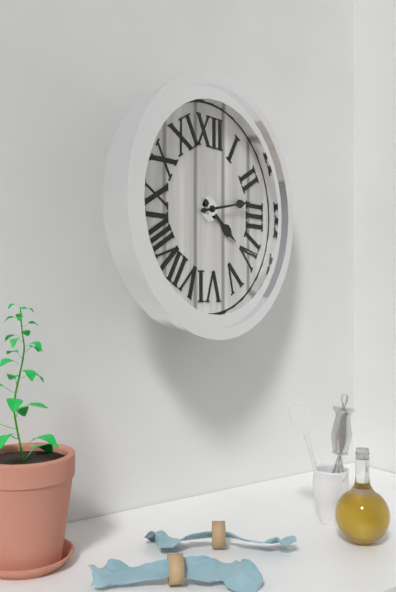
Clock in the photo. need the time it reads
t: 4:13
